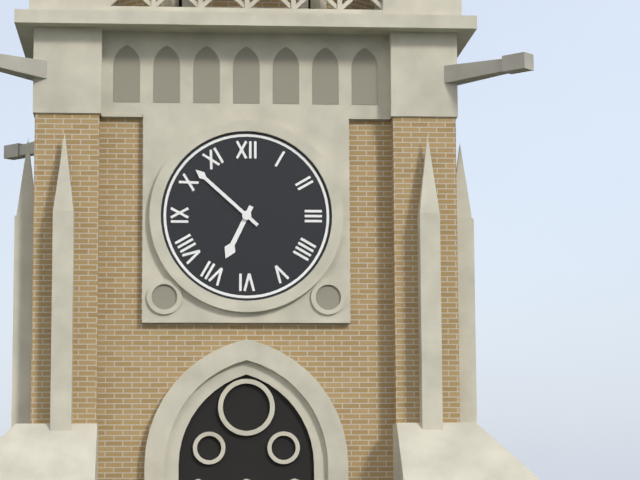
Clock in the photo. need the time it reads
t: 6:52
